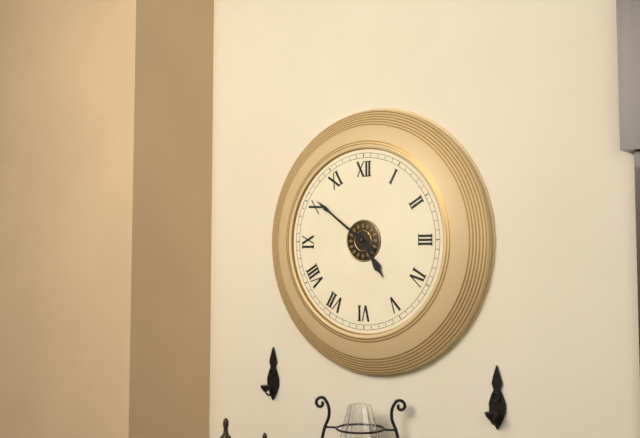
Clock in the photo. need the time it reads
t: 4:51
